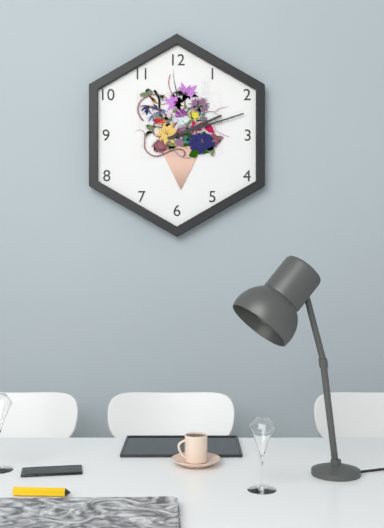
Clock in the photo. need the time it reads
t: 2:12
